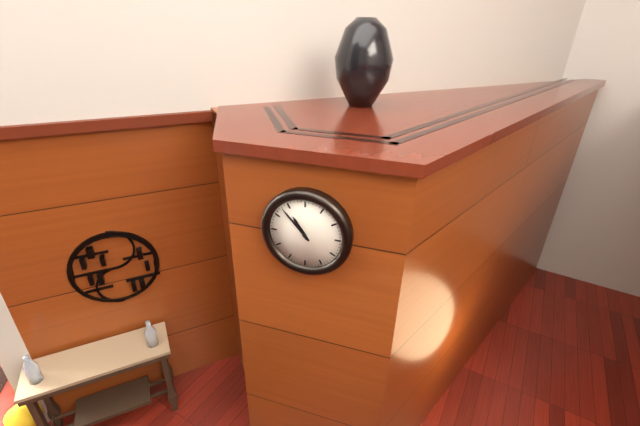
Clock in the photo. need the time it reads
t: 10:53
